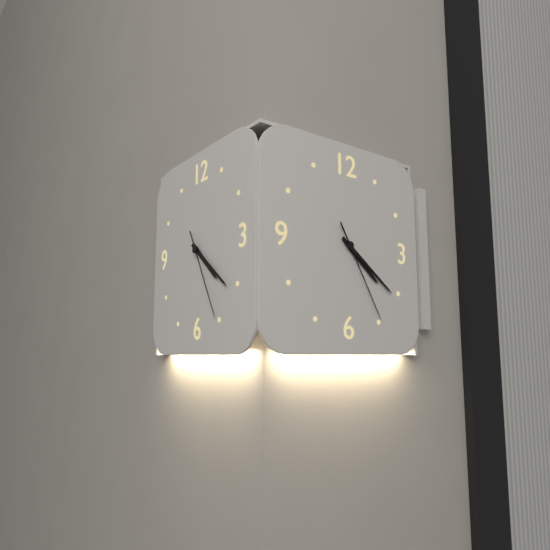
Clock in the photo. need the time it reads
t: 4:21:25
